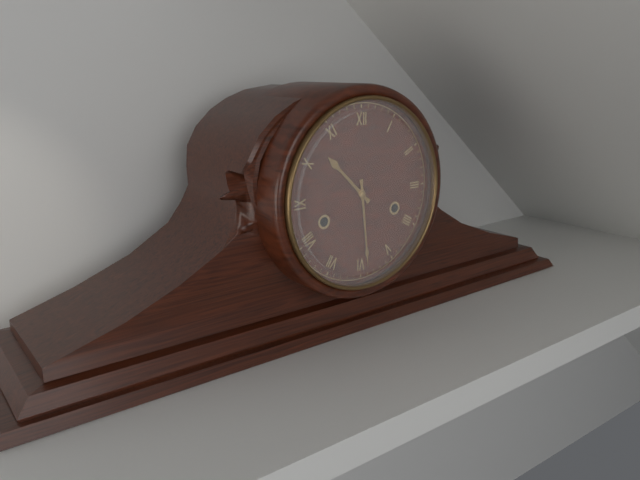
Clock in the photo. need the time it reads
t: 10:29
